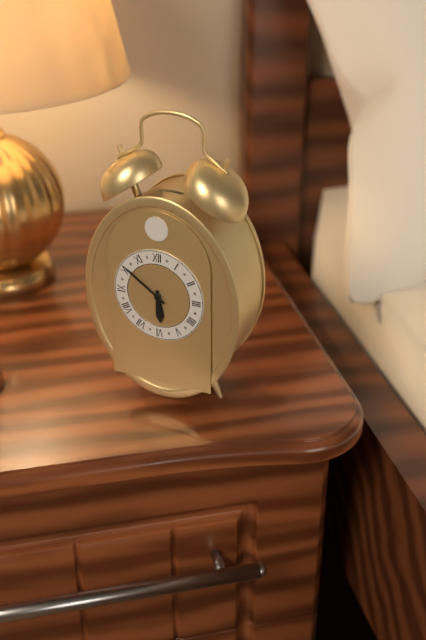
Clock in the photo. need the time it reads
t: 5:51
